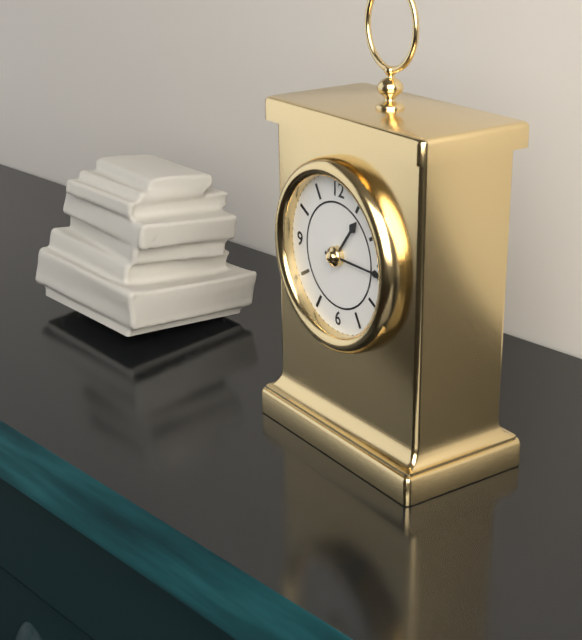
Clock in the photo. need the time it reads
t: 1:15
